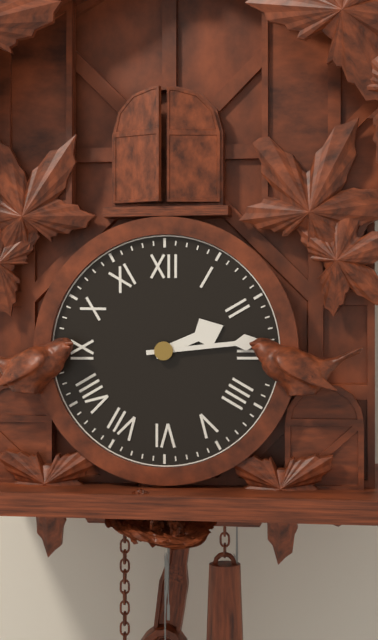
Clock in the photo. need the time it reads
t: 2:14
